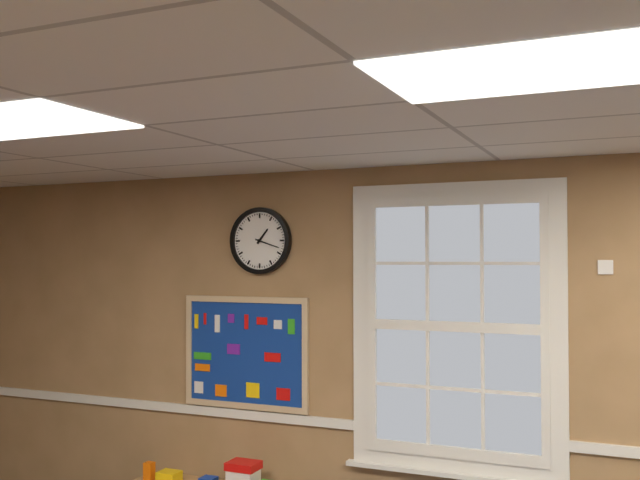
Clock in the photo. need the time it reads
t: 1:18
